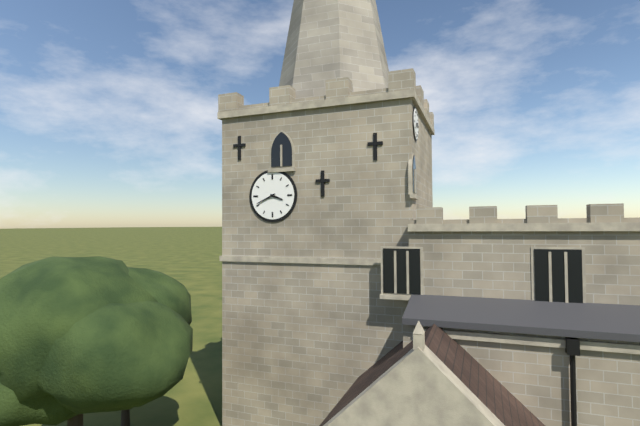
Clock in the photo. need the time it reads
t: 3:41
